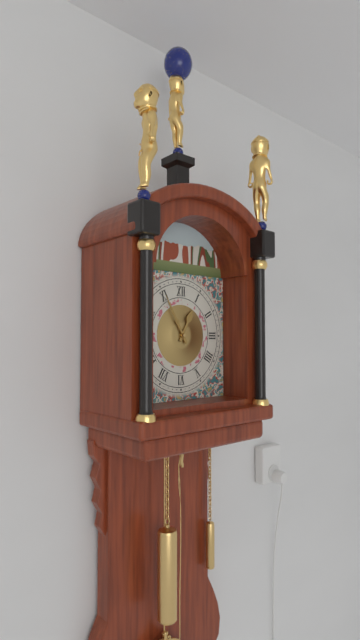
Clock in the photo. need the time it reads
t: 12:55
